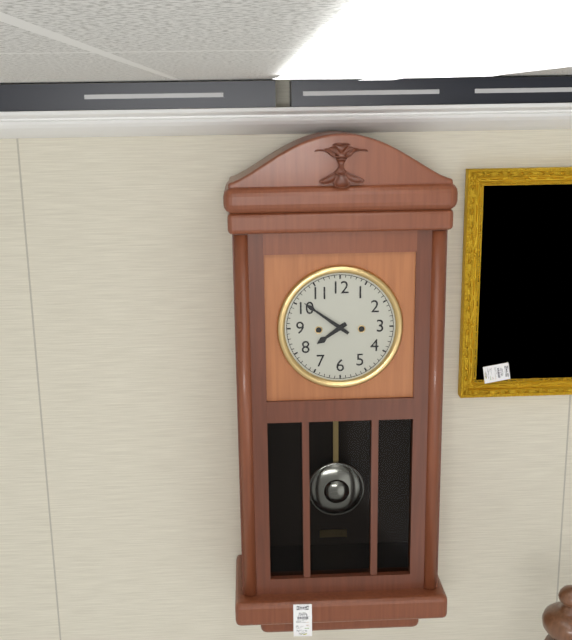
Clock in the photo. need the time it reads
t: 7:51
